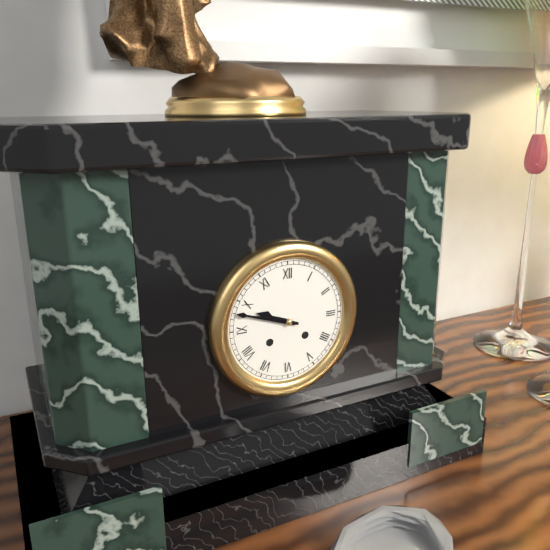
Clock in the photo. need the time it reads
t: 9:48
